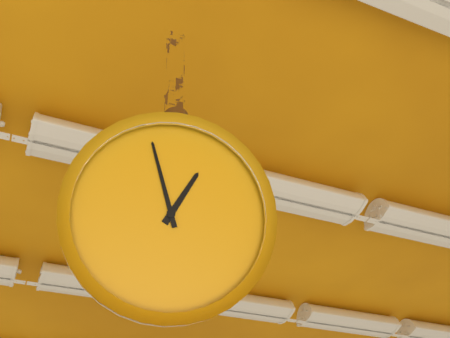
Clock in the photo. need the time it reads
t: 12:57
